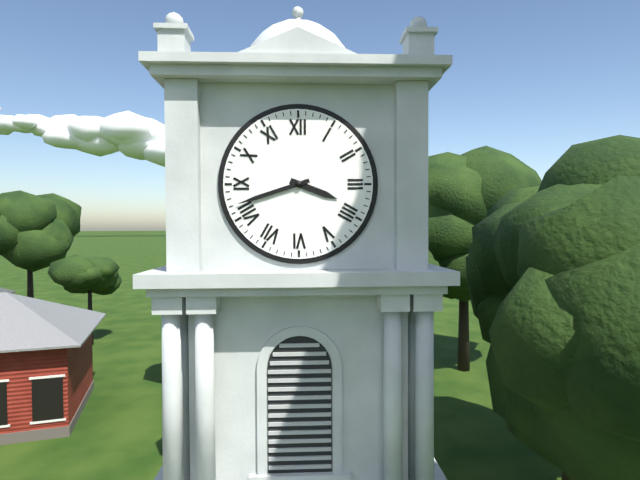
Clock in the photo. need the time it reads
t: 3:42
